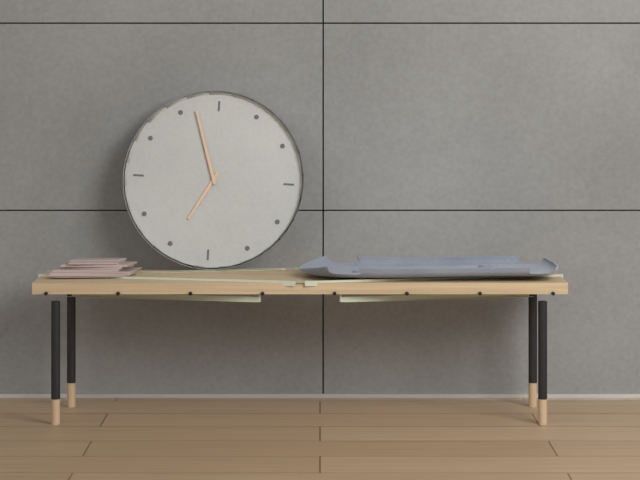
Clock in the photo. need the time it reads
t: 6:57
